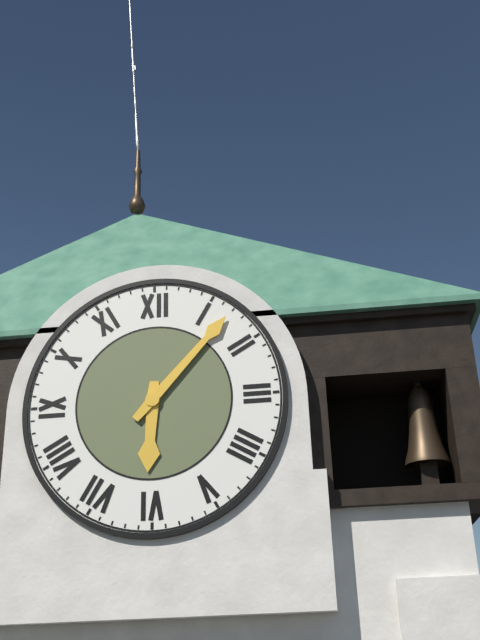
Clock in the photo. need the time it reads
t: 6:07
